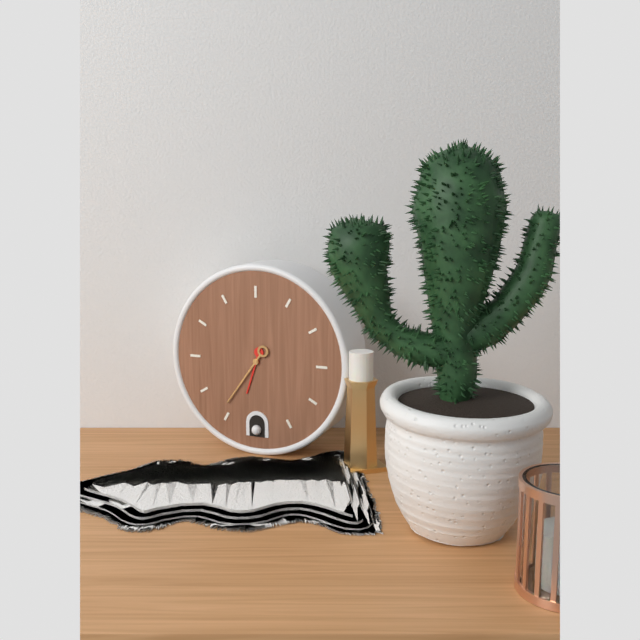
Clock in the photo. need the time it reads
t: 6:36
